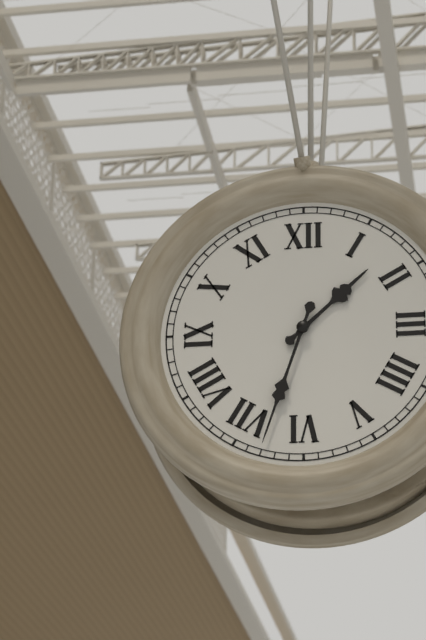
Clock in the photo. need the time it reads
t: 1:33
